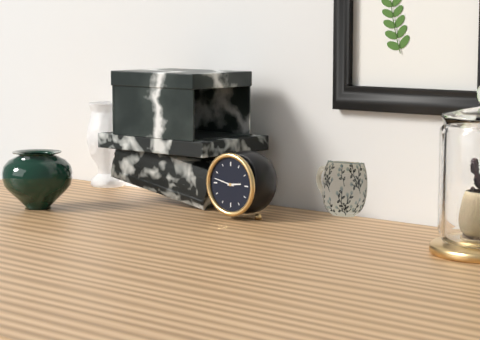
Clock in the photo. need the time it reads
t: 2:47
